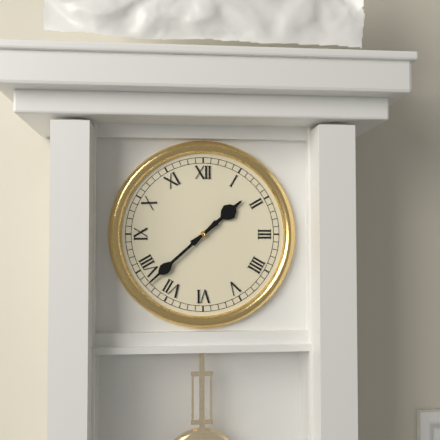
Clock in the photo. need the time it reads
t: 1:38
